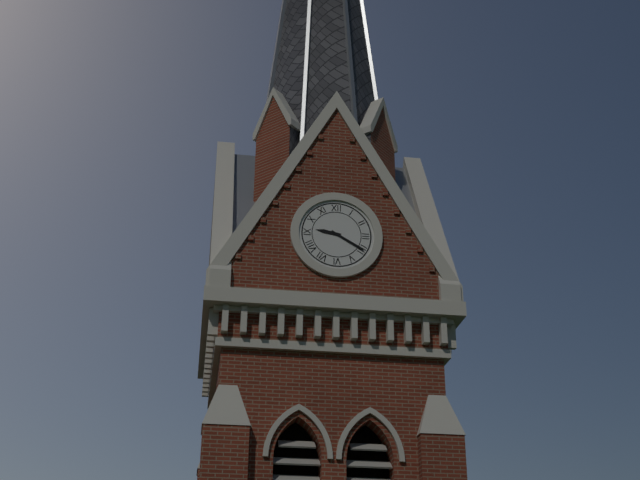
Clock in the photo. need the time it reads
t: 9:20
